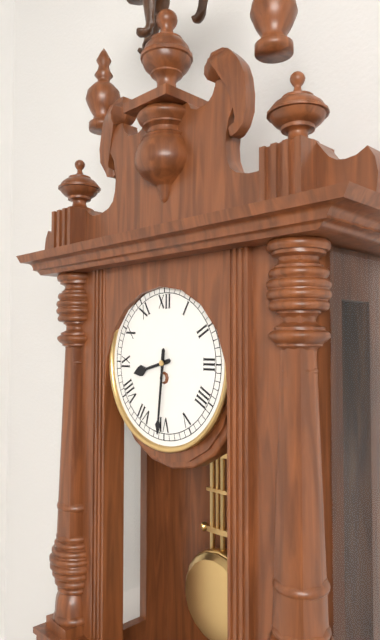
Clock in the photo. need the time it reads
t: 8:31
